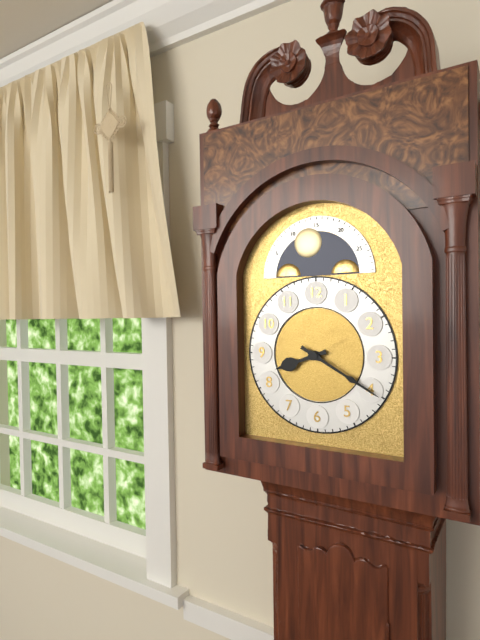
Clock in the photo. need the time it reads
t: 8:20
